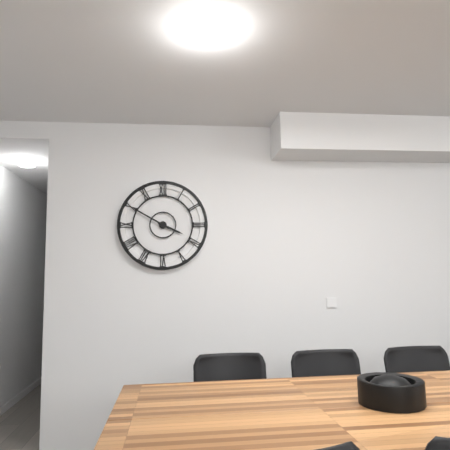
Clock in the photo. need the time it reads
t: 3:50
